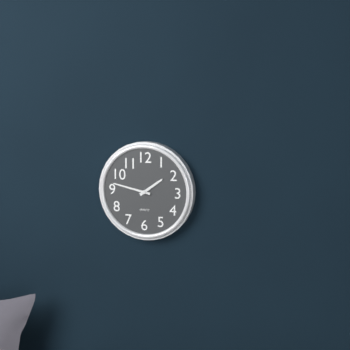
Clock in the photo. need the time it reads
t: 1:47
